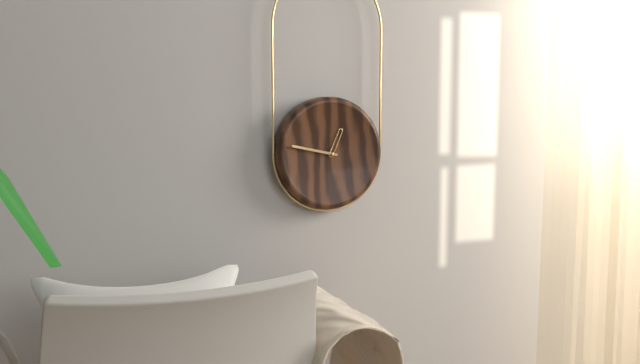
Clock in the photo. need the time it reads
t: 12:47
